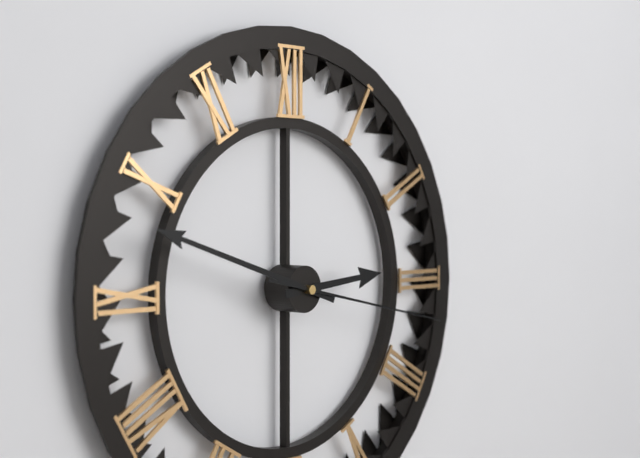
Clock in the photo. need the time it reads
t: 2:48:17
